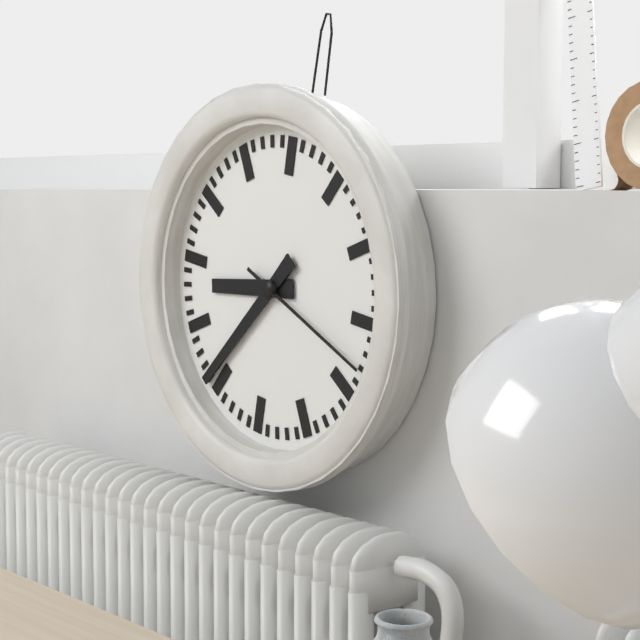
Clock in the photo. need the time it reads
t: 8:36:18
